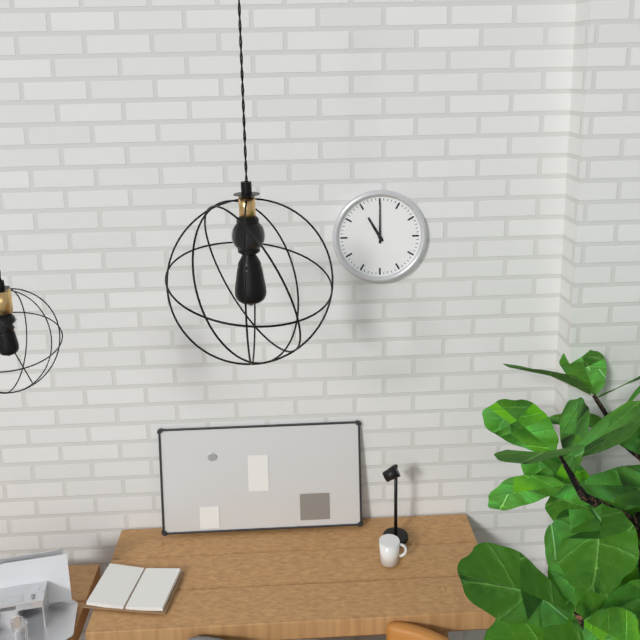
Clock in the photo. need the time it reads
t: 11:00
